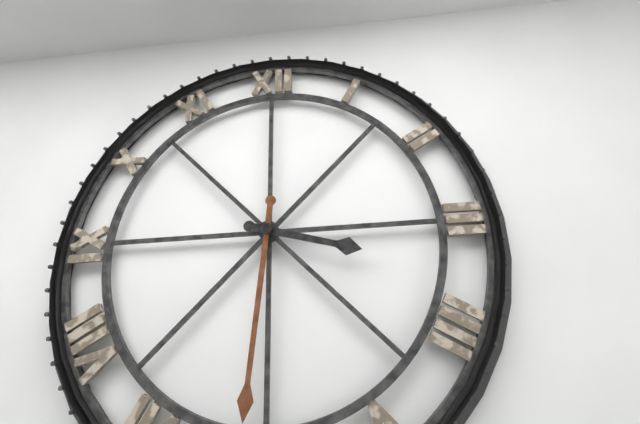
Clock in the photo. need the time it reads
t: 3:31
